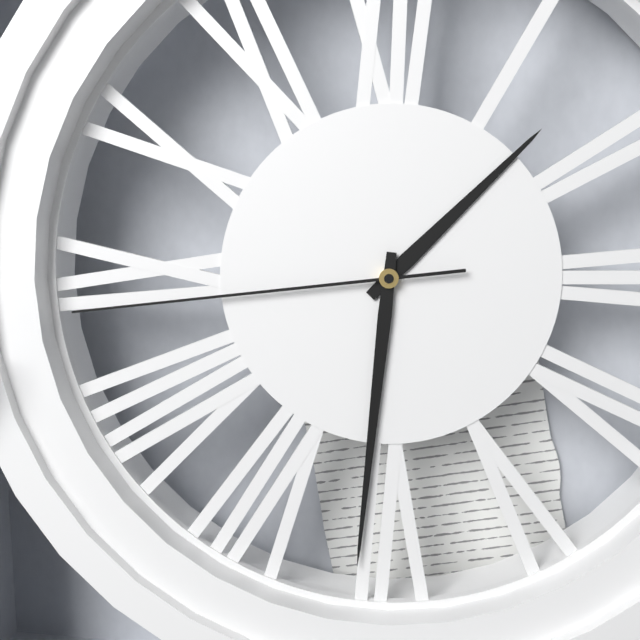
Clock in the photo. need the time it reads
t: 1:31:44
